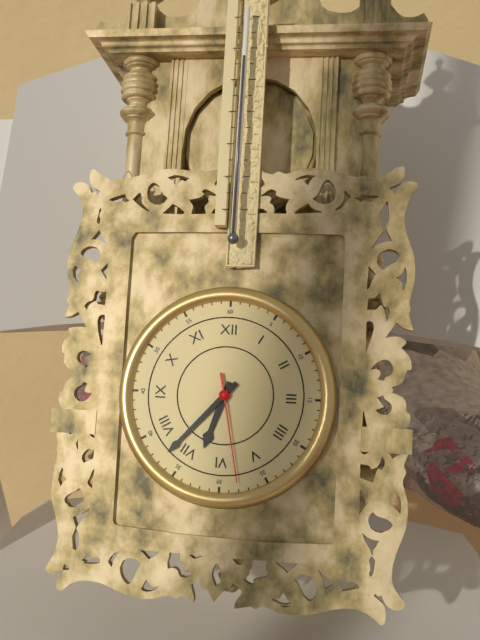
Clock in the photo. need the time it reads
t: 6:37:28
